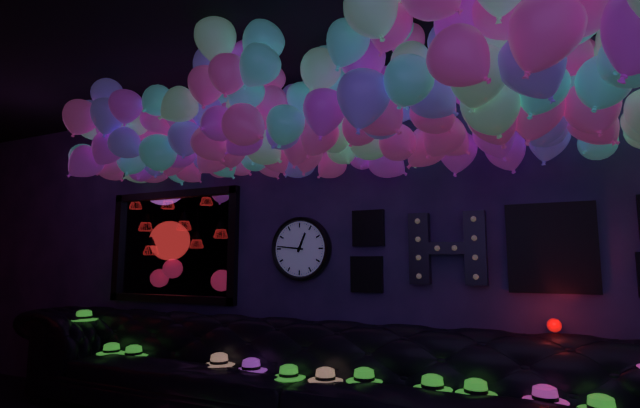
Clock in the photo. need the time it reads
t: 12:46
